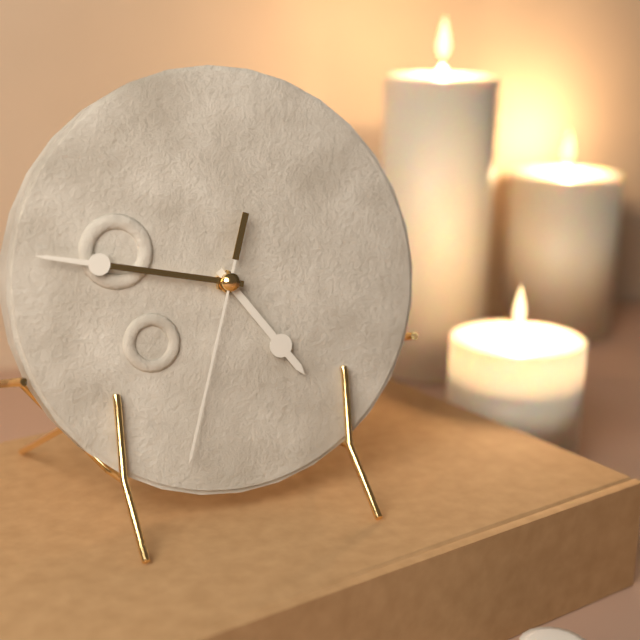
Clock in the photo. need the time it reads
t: 4:47:33
